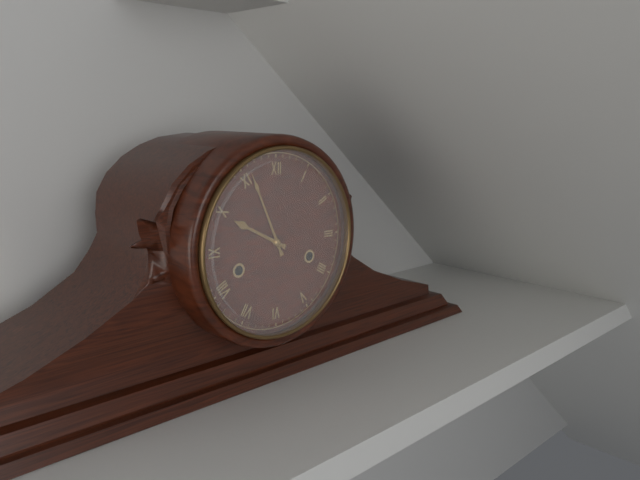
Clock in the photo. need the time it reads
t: 9:56
